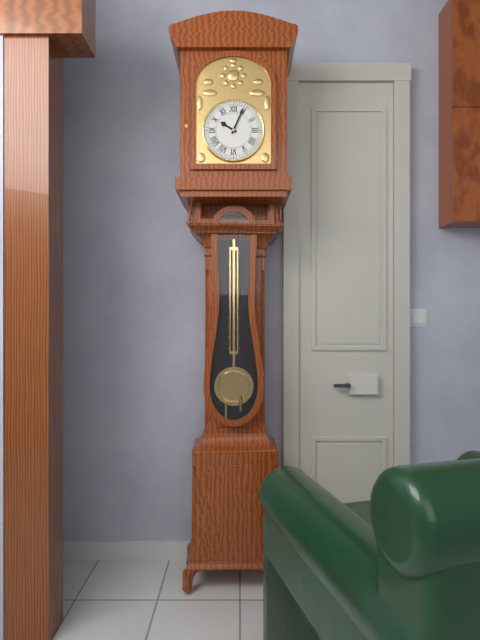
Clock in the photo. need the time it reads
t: 10:04
